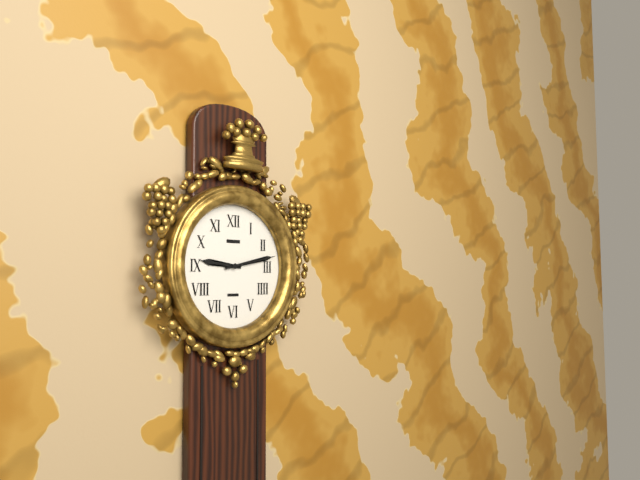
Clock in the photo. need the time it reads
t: 9:13
